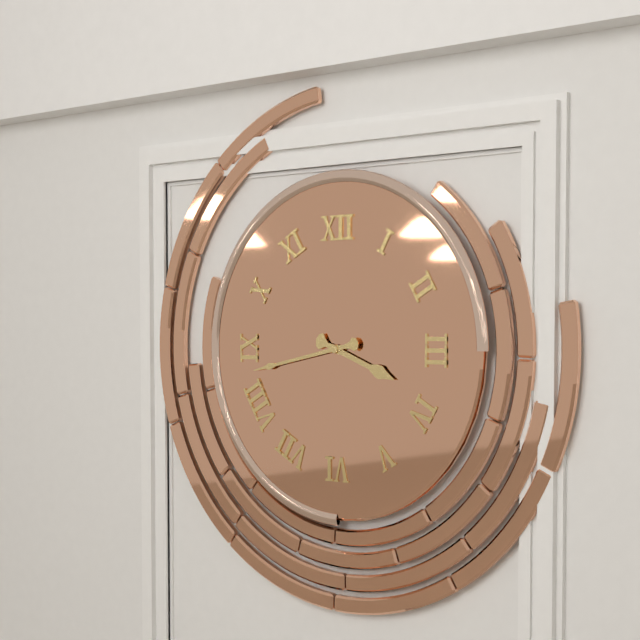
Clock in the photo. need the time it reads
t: 3:43
